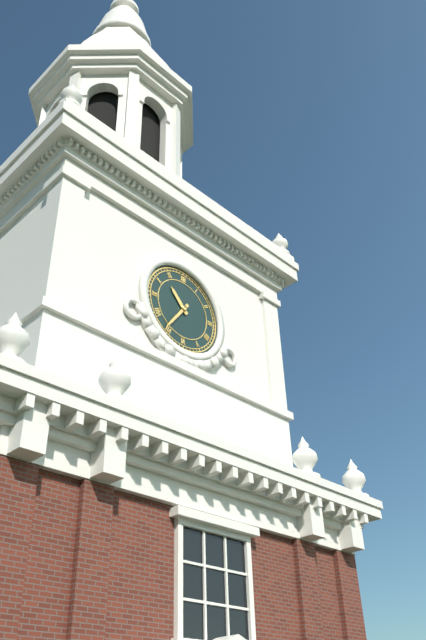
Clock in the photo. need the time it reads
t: 10:36
